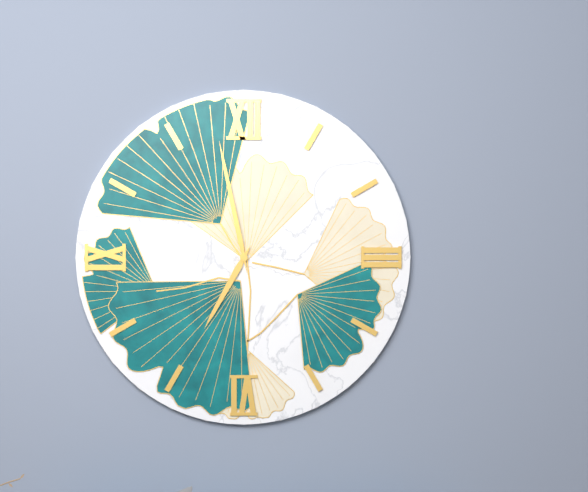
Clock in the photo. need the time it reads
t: 6:58
